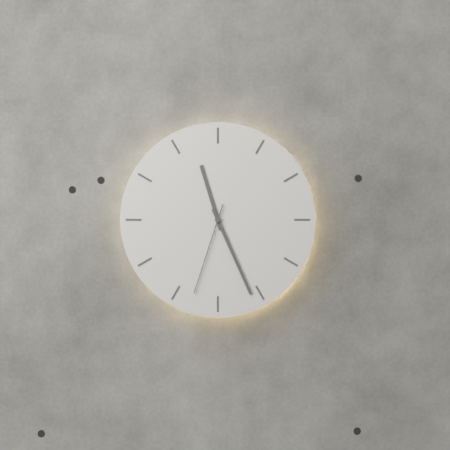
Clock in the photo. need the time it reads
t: 11:26:33
